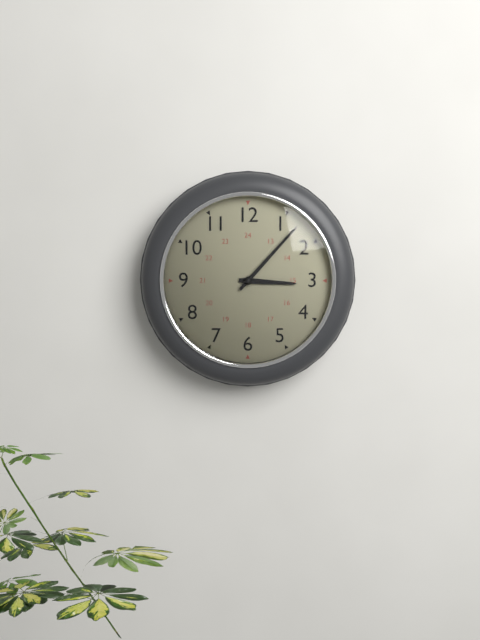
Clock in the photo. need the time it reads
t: 3:07
